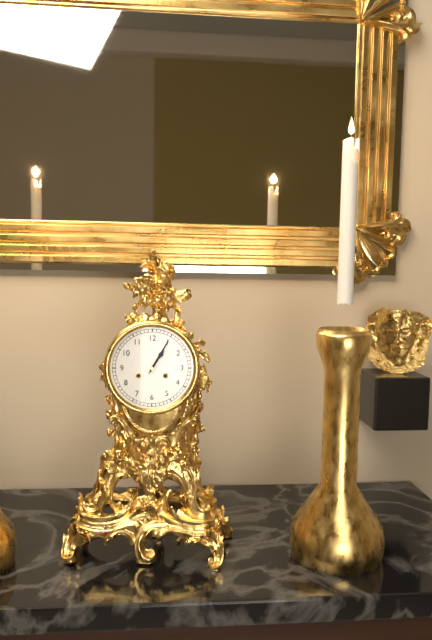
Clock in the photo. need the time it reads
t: 1:05
